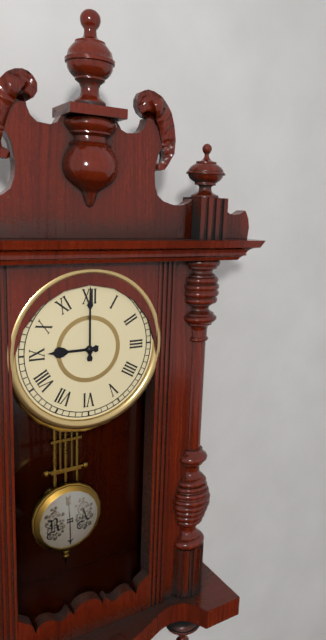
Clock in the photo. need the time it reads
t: 9:00
